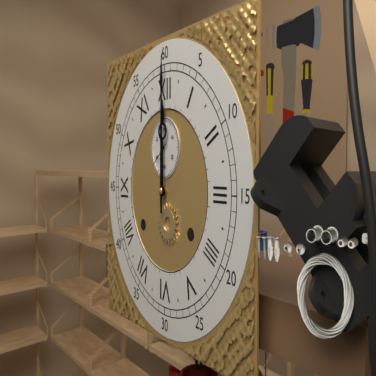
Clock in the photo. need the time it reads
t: 12:00
